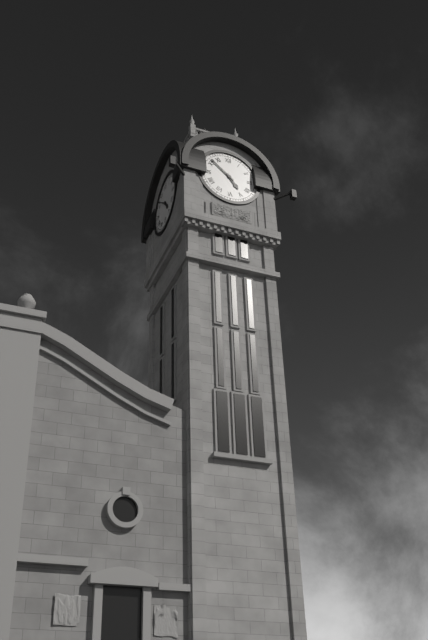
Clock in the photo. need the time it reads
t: 4:52
